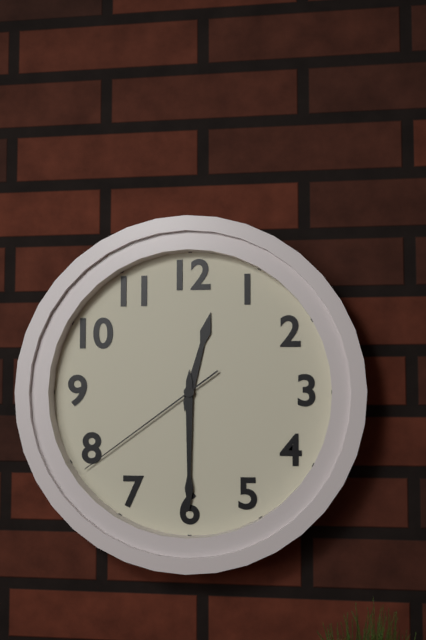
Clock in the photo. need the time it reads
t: 12:30:39
